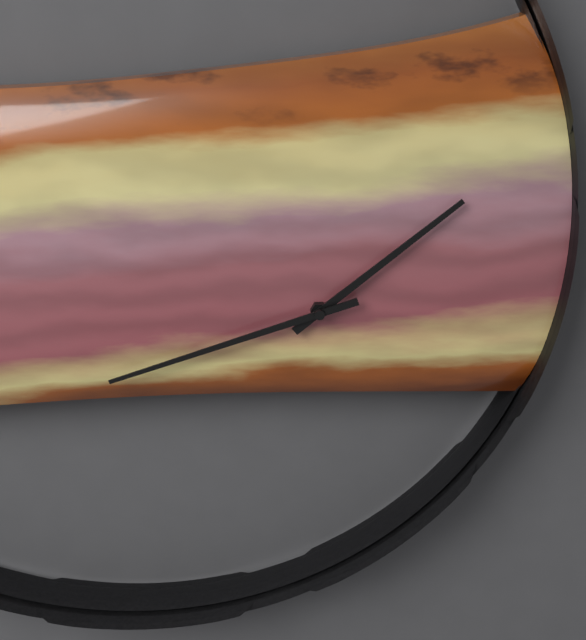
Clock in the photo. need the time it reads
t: 1:42
